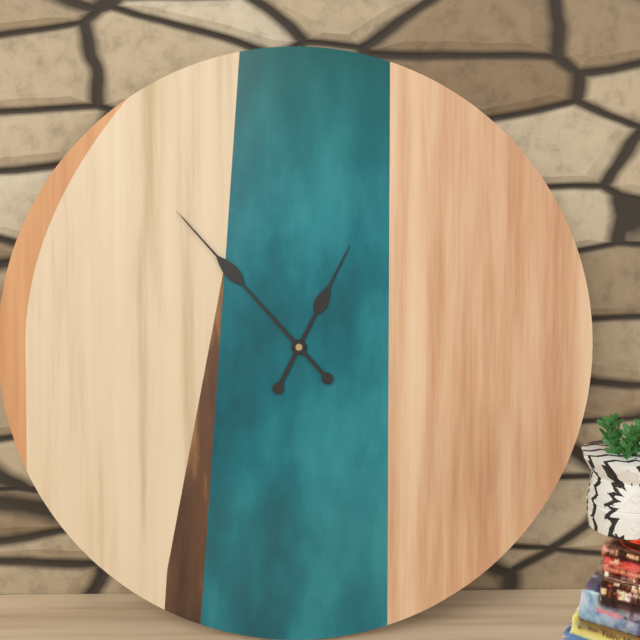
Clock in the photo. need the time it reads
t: 12:53
